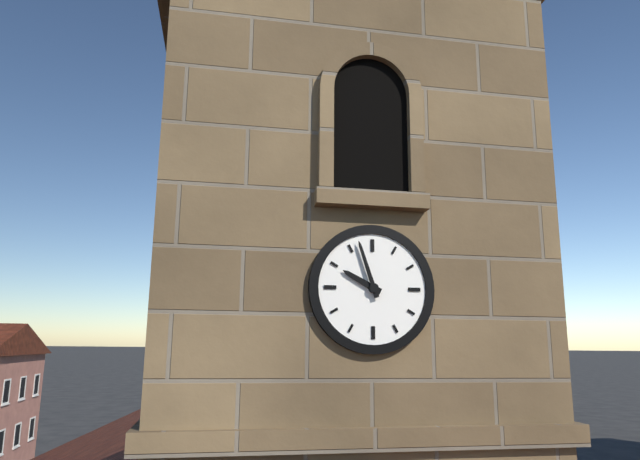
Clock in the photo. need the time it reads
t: 9:57
